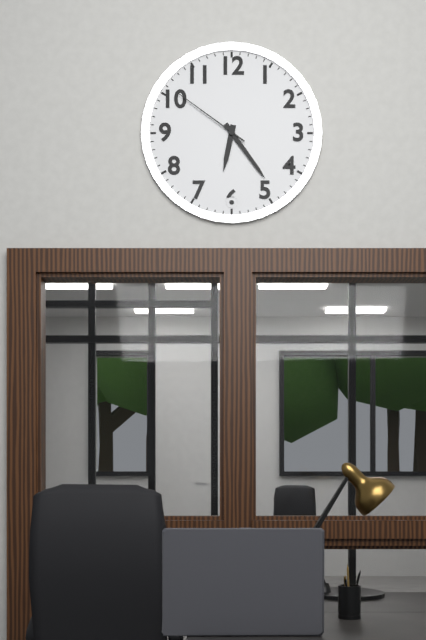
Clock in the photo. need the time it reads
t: 6:24:51
